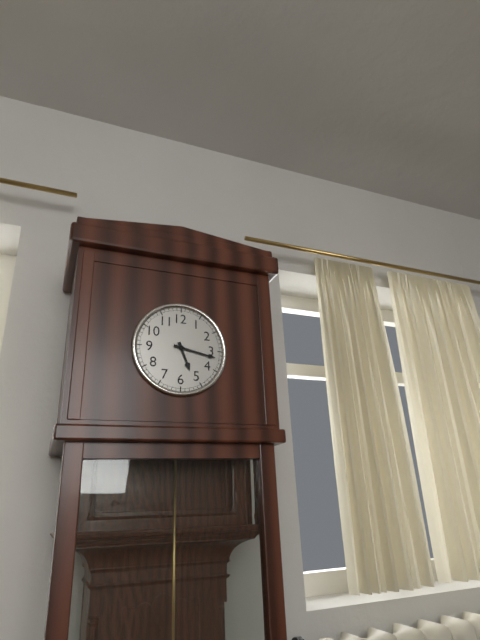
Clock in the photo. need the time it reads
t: 5:17
